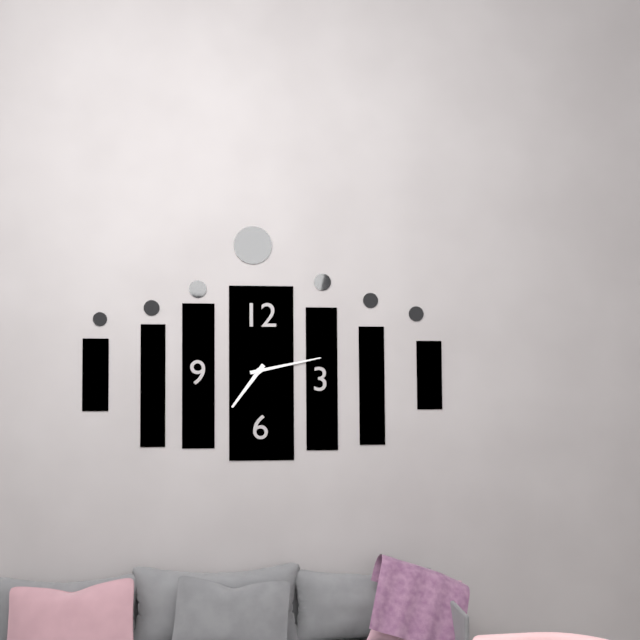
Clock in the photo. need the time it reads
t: 7:13
